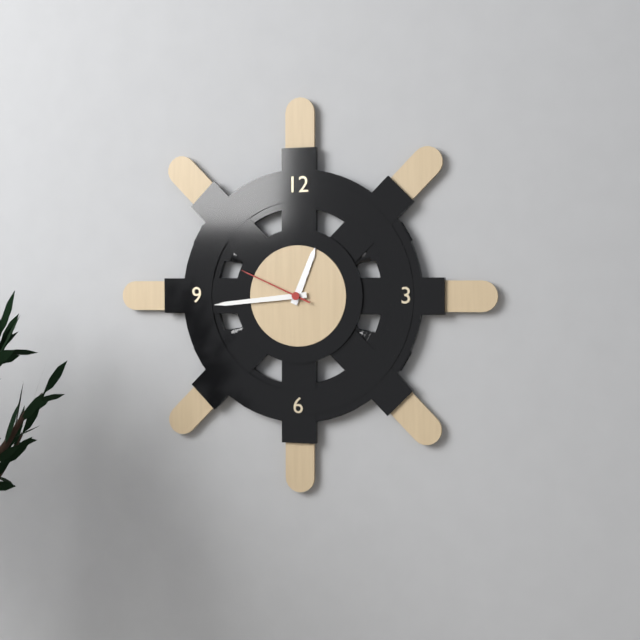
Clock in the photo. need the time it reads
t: 12:44:49
